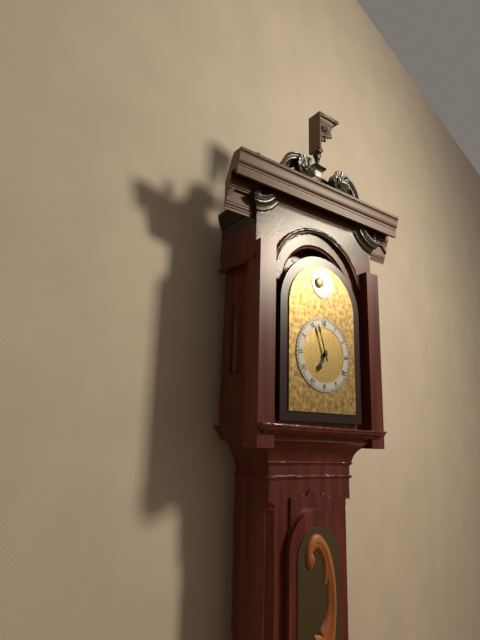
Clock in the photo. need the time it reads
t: 6:57
